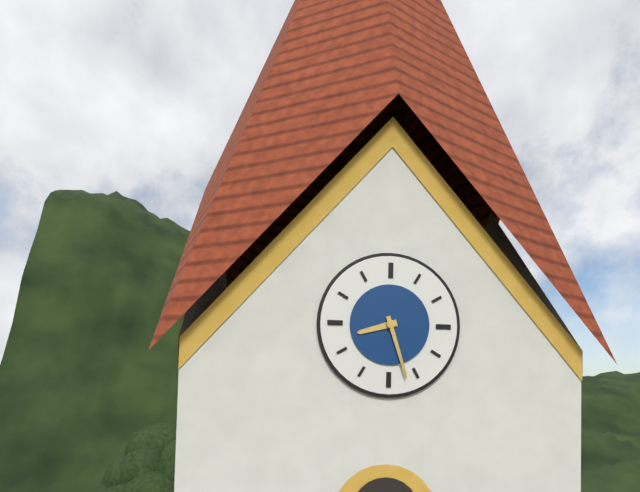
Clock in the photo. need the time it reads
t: 8:27
